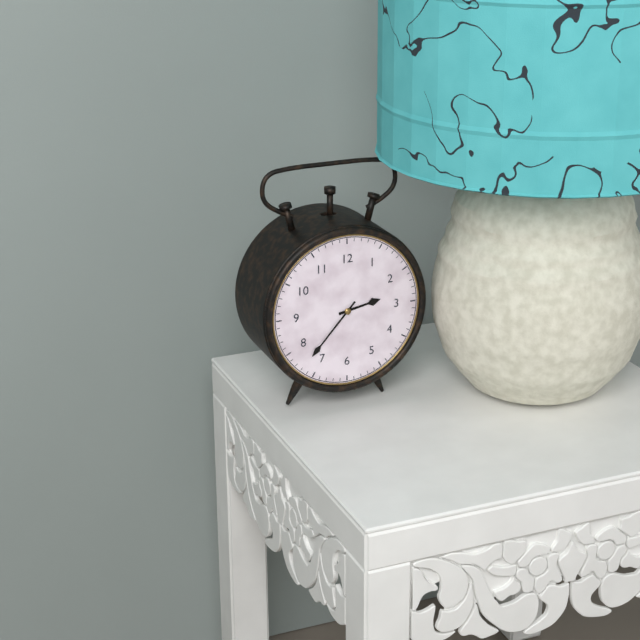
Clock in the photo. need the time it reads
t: 2:37
